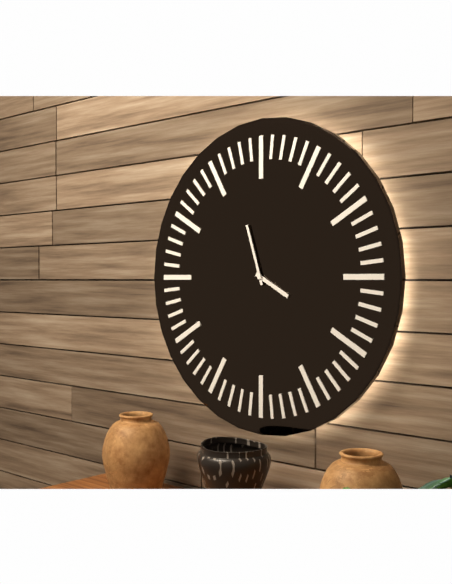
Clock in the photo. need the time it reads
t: 3:57
